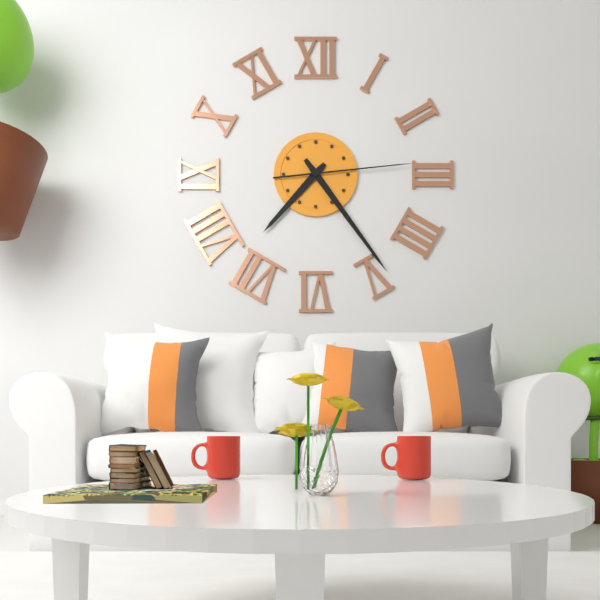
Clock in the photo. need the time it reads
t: 7:24:14
